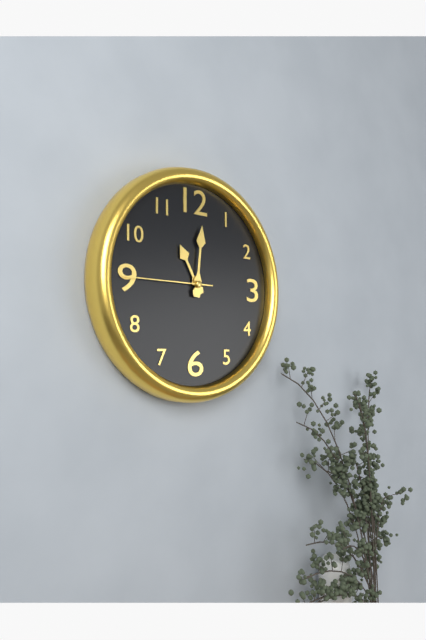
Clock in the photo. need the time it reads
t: 11:01:45
